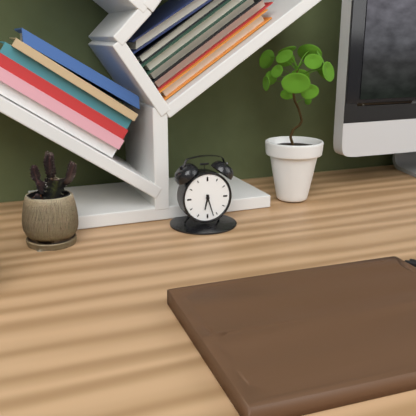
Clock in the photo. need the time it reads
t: 6:27
